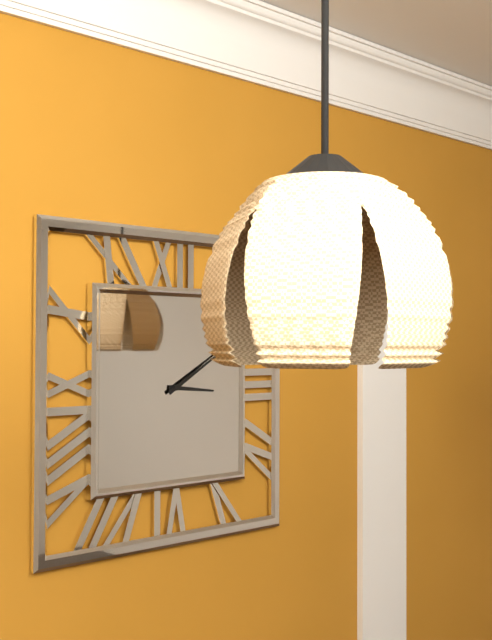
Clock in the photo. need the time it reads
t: 3:10
